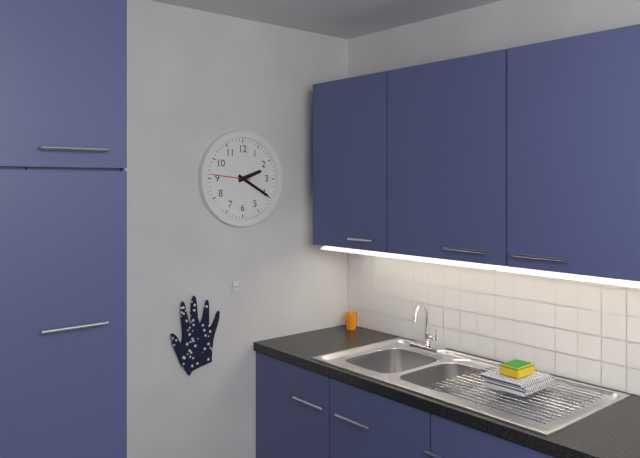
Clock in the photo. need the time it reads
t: 2:20
